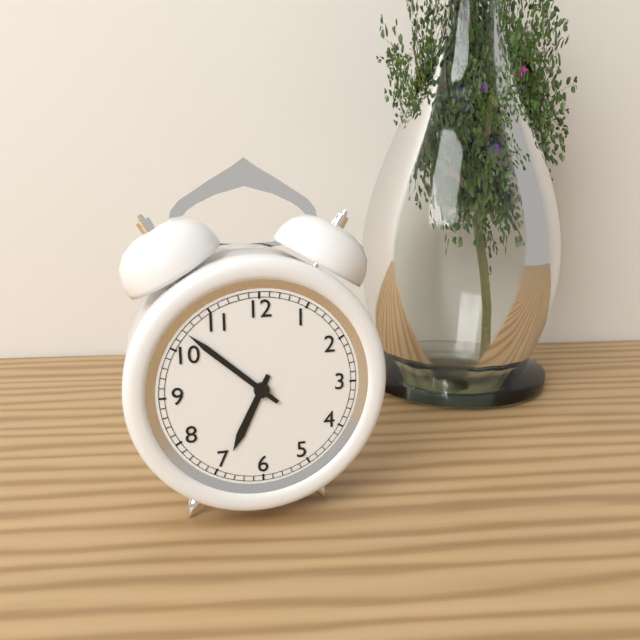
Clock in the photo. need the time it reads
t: 6:52
